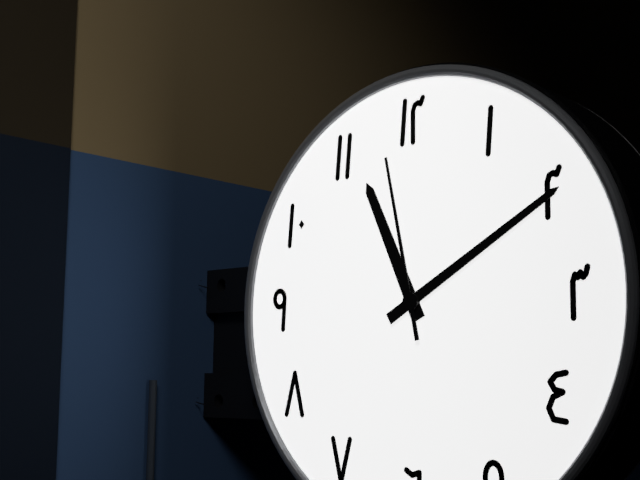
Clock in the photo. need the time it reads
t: 11:10:58
